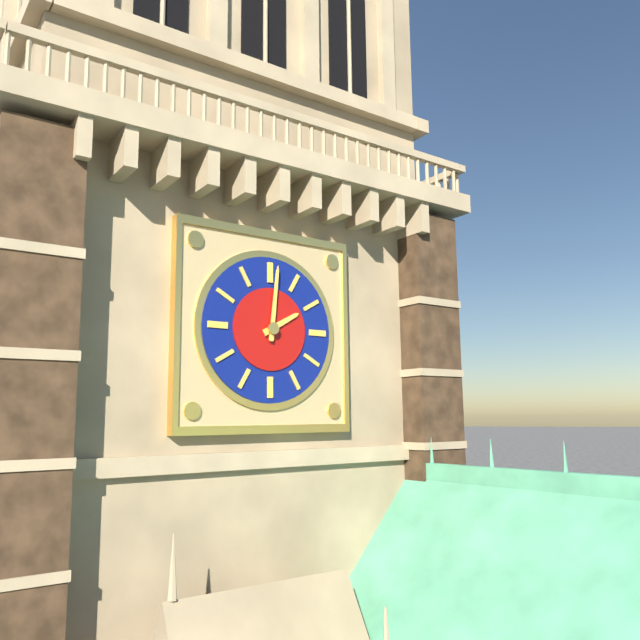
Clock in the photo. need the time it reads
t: 2:01
